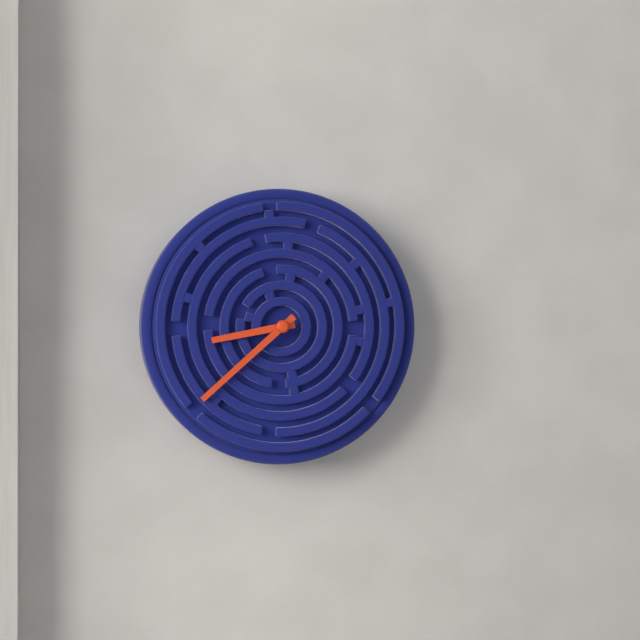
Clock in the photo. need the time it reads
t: 8:38
